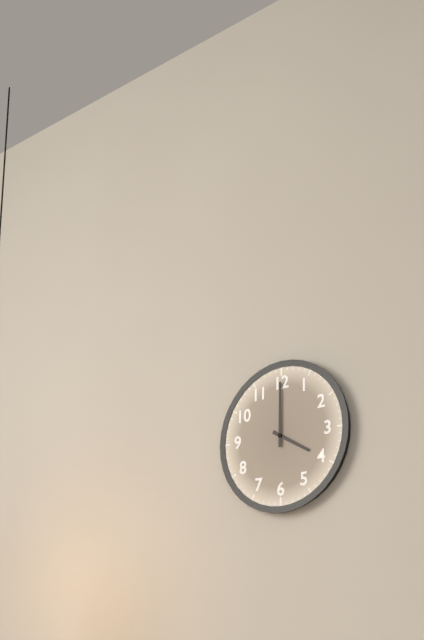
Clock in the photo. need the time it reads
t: 4:00
